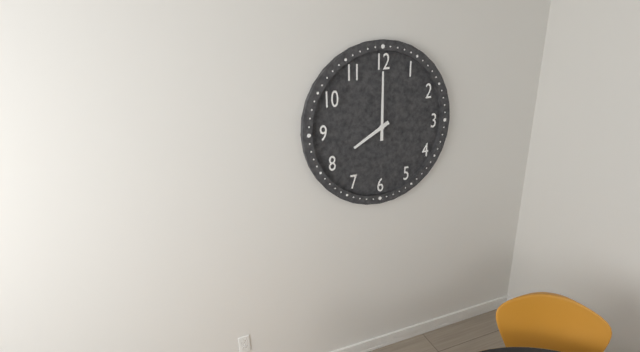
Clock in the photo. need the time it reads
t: 8:00
